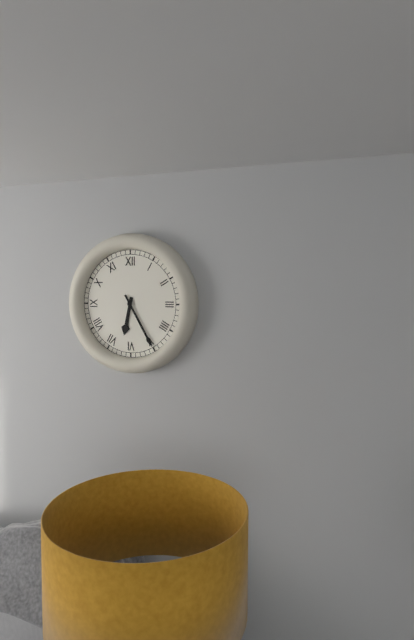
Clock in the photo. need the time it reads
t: 6:25
